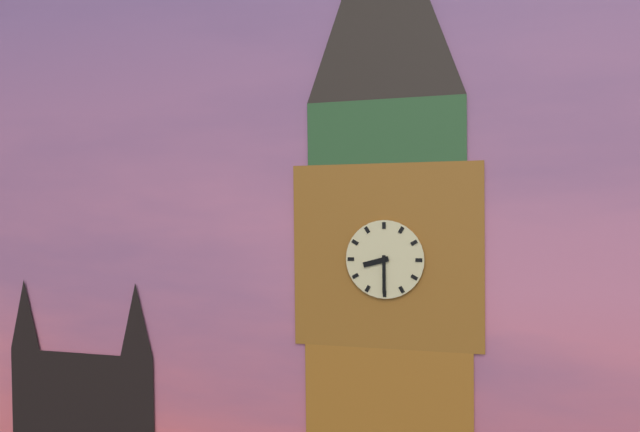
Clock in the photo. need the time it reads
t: 8:30
